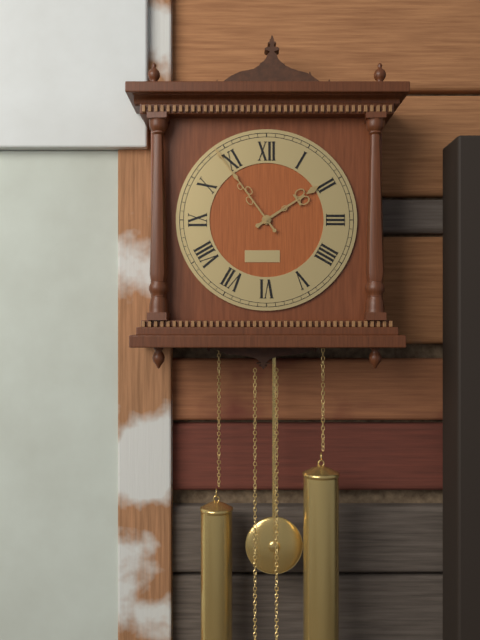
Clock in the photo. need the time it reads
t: 1:54
